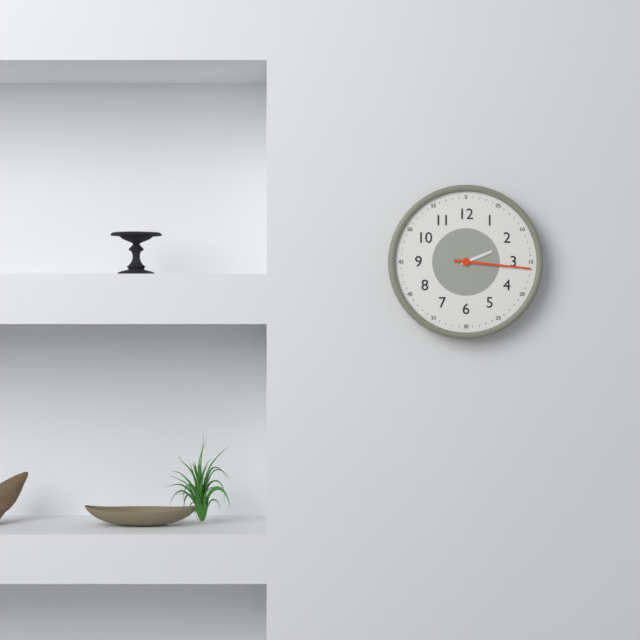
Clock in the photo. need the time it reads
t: 2:16
